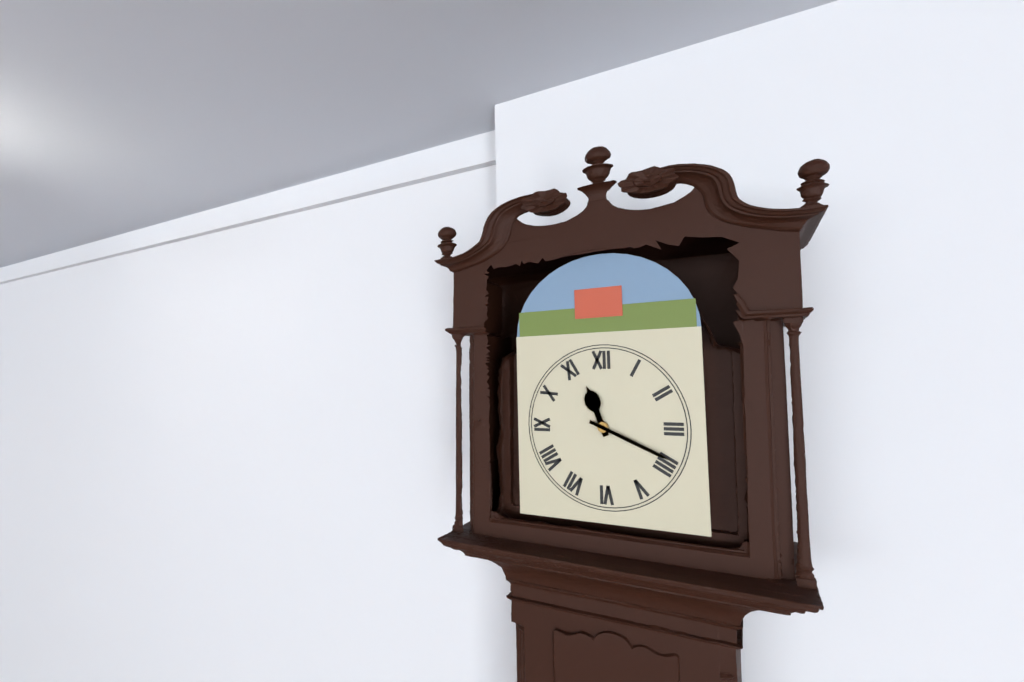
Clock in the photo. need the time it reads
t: 11:19
